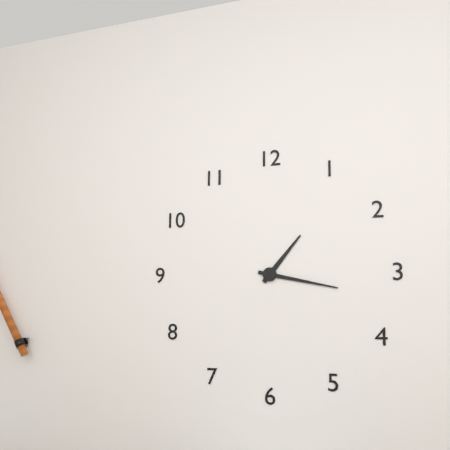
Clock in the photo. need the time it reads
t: 1:17
